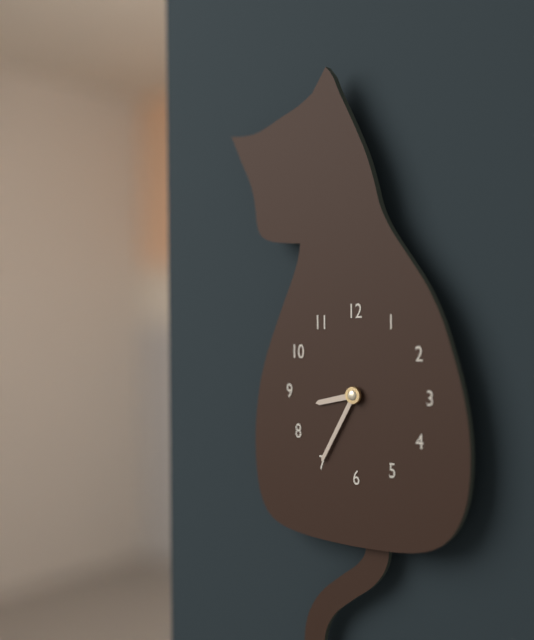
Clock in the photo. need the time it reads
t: 8:35
